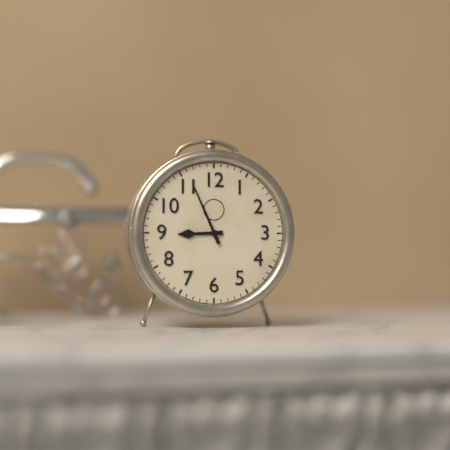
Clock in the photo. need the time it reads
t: 8:56
